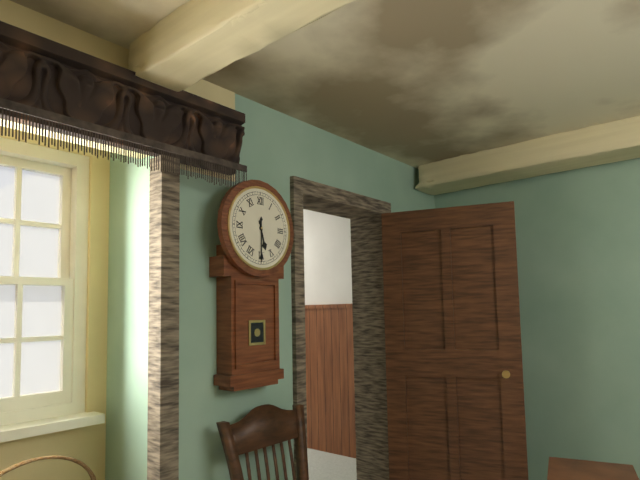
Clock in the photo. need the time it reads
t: 5:30
